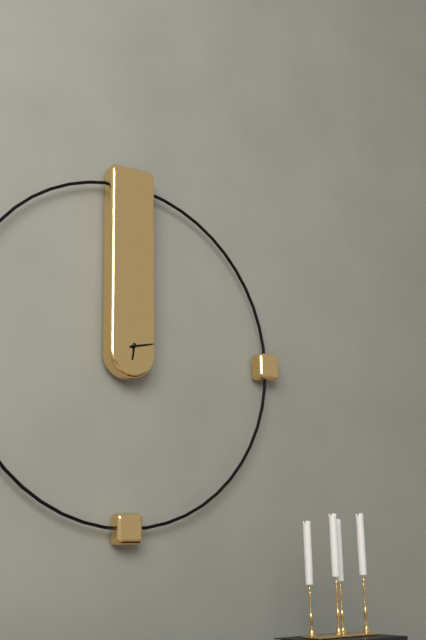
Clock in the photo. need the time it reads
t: 6:13
